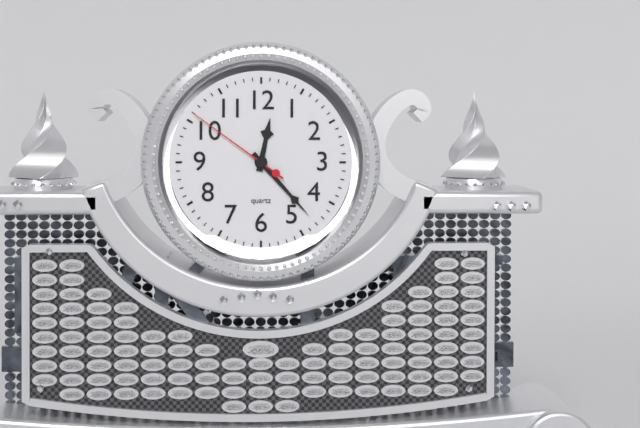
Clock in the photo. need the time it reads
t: 12:23:51
